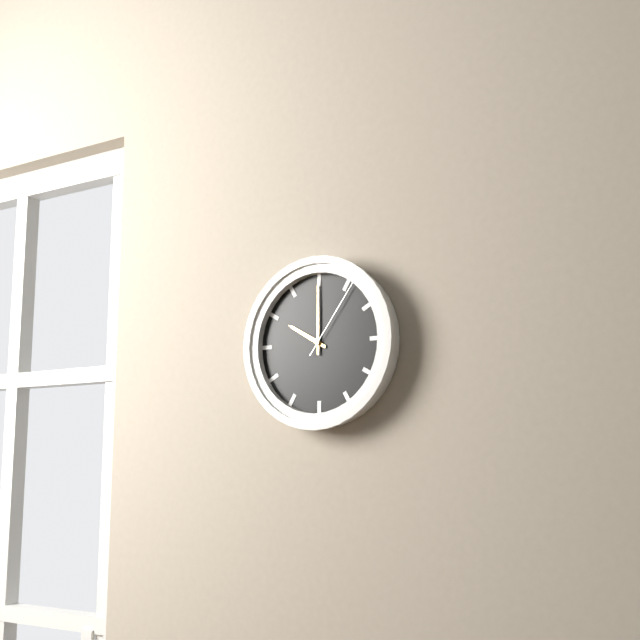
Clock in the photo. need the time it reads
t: 10:00:06
